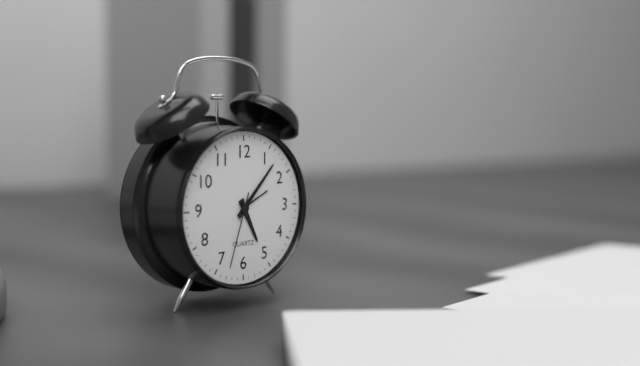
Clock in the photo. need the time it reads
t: 5:07:33
